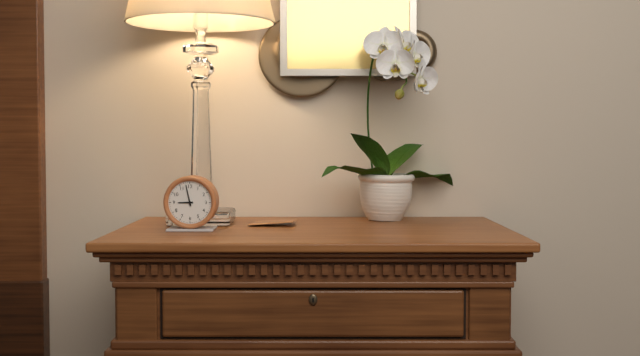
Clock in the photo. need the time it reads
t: 8:58
